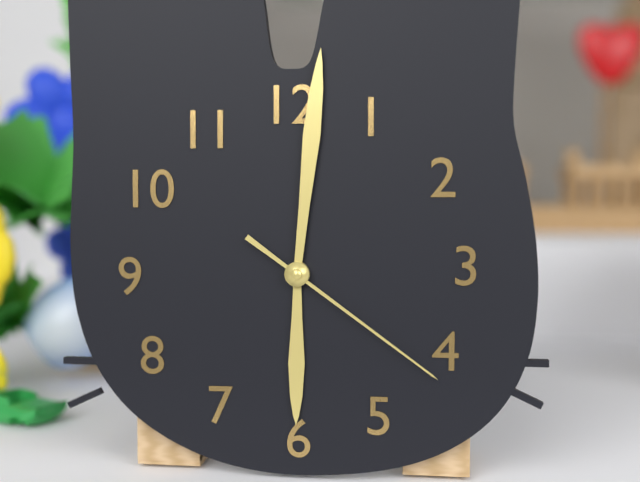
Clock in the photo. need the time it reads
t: 6:01:21
